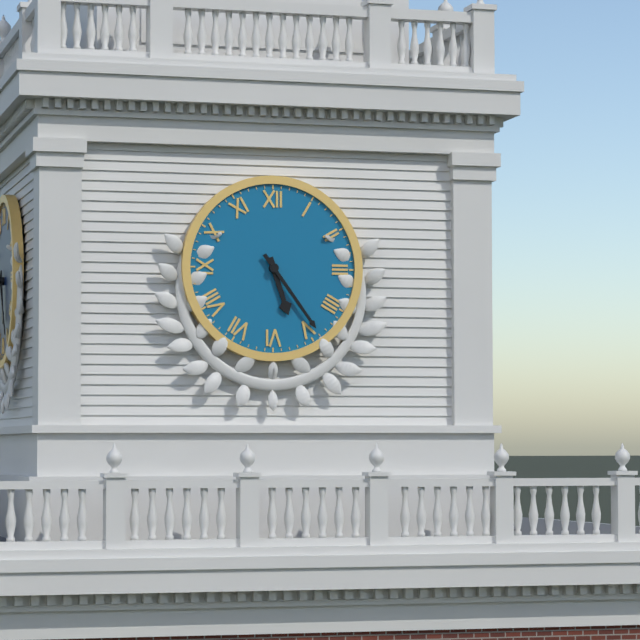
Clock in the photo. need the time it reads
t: 5:24
